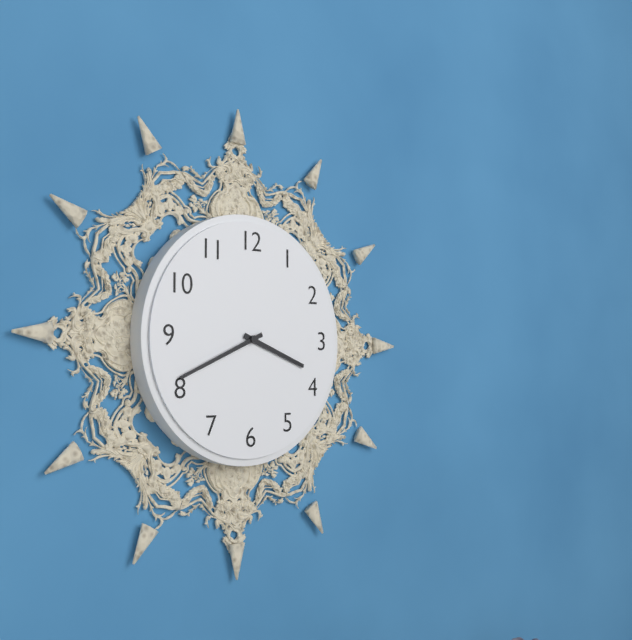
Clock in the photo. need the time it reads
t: 3:41
